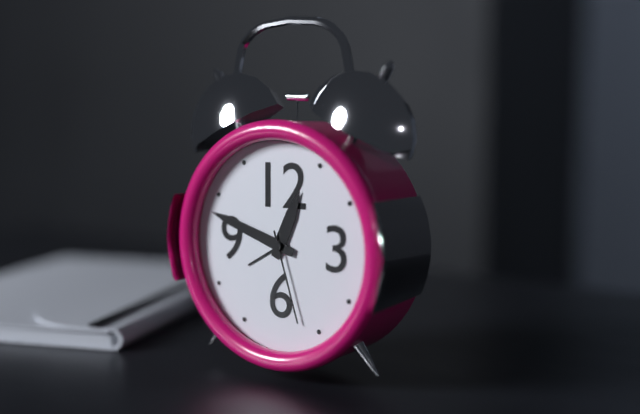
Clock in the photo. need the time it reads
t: 12:48:27
